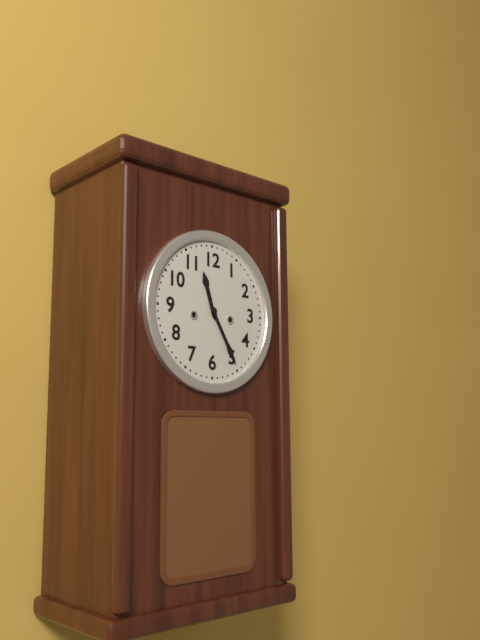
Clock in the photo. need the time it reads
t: 11:25
